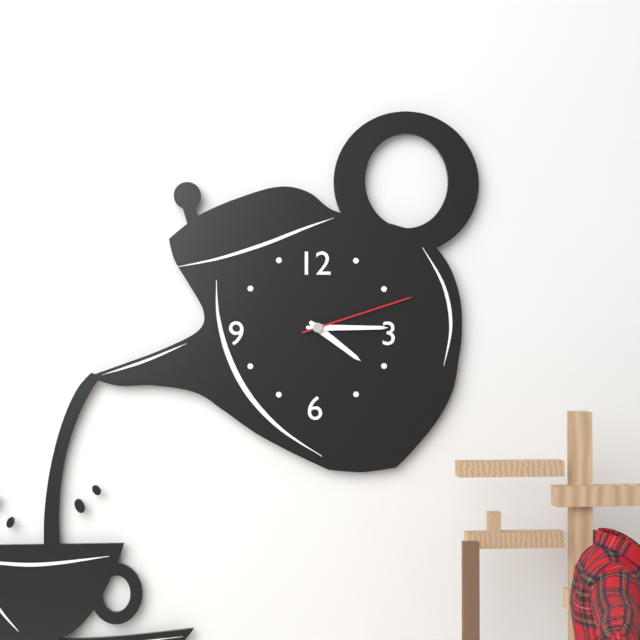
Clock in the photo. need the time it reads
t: 4:15:12
